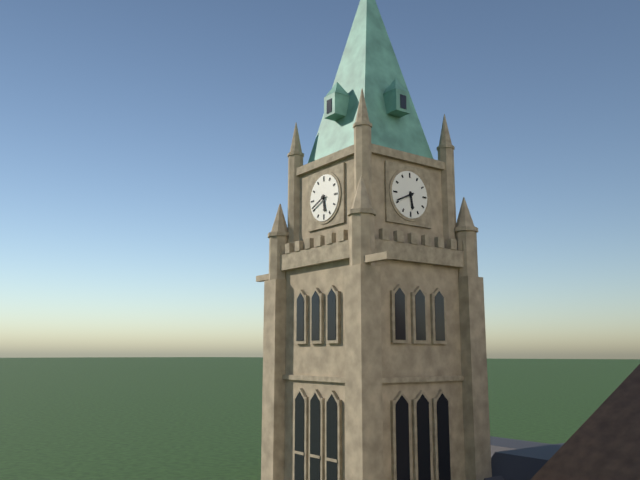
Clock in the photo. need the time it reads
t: 5:41
